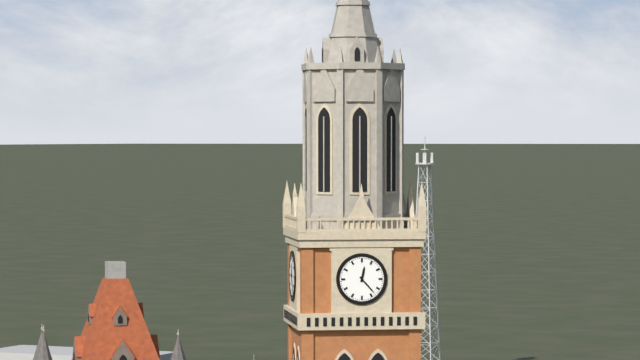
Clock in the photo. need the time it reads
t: 12:23
